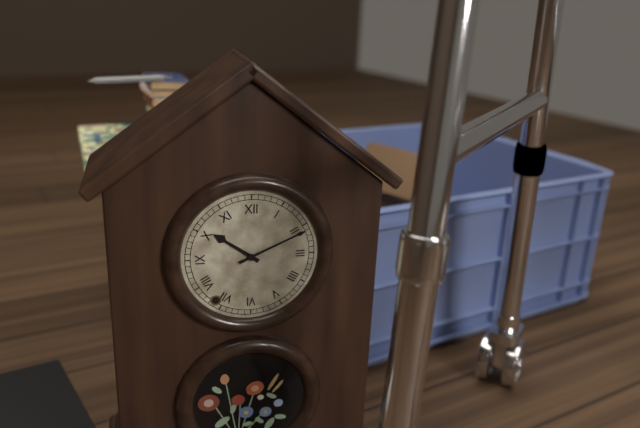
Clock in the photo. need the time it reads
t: 10:11
